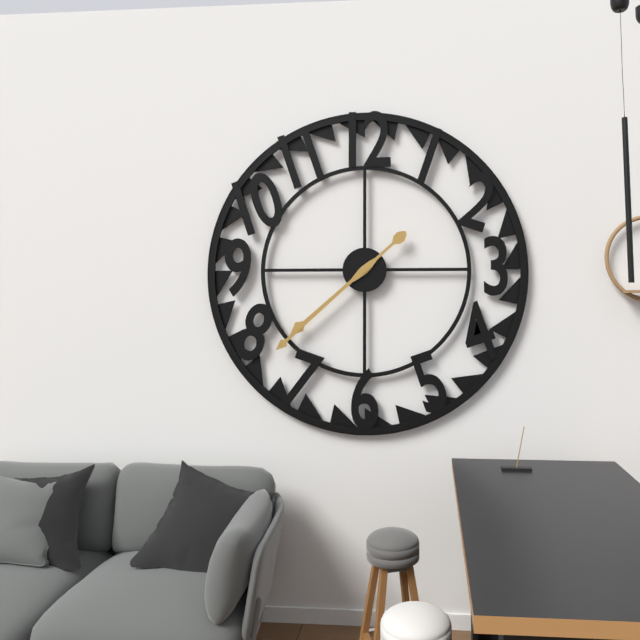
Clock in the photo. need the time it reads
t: 7:38
